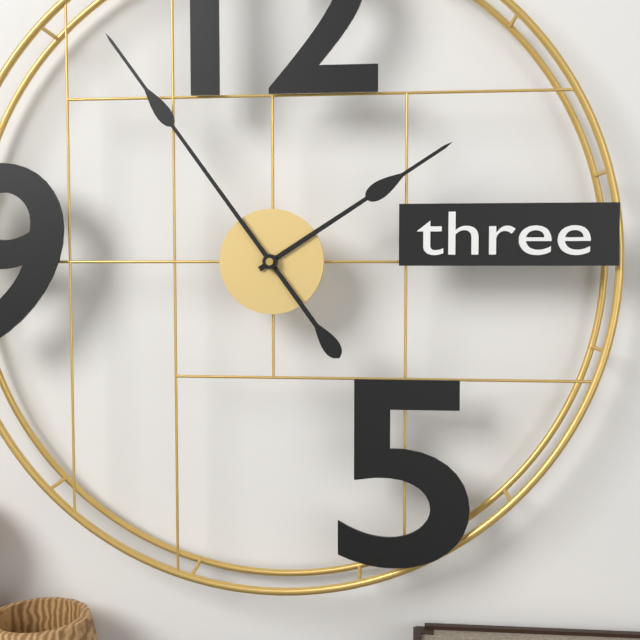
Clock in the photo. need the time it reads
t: 1:54
